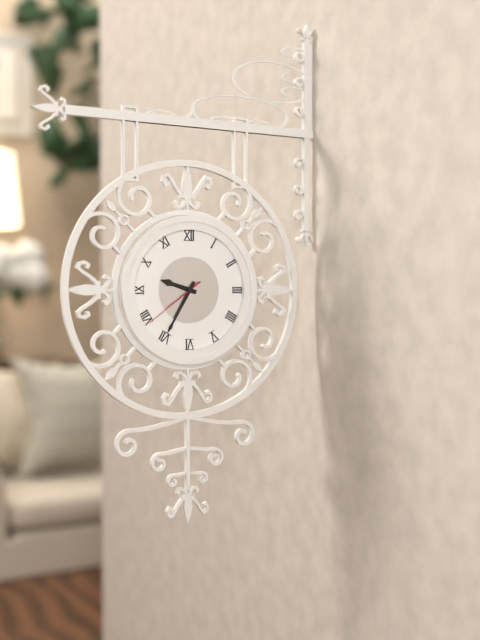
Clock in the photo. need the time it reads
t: 9:35:39
